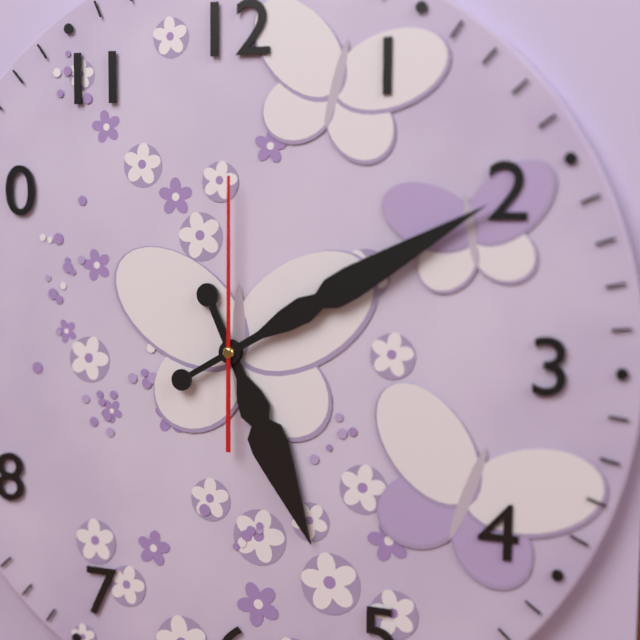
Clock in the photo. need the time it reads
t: 5:10:00
